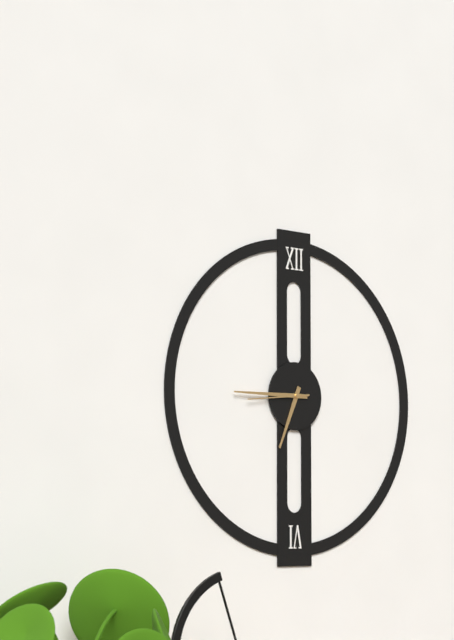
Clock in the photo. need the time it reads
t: 6:45:44
